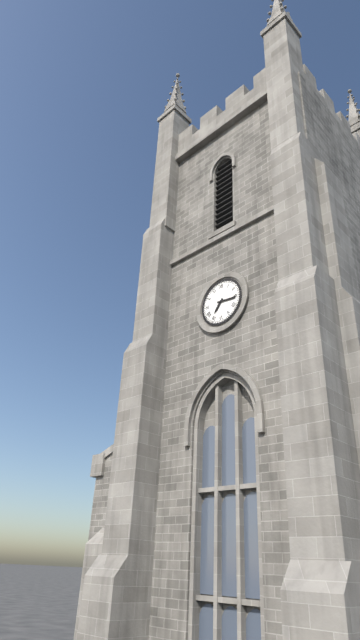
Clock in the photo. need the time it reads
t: 7:16
